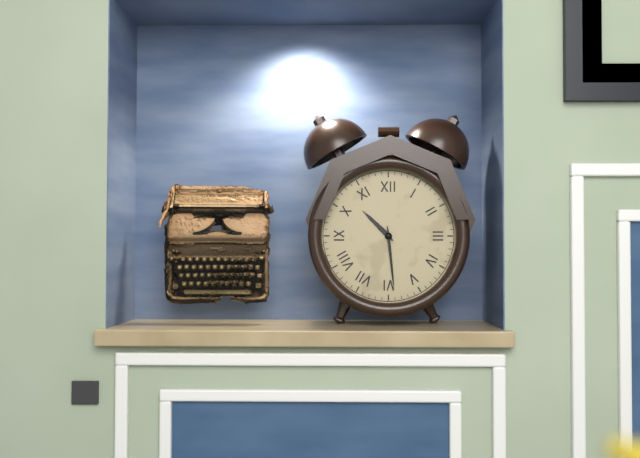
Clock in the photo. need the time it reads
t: 10:29
